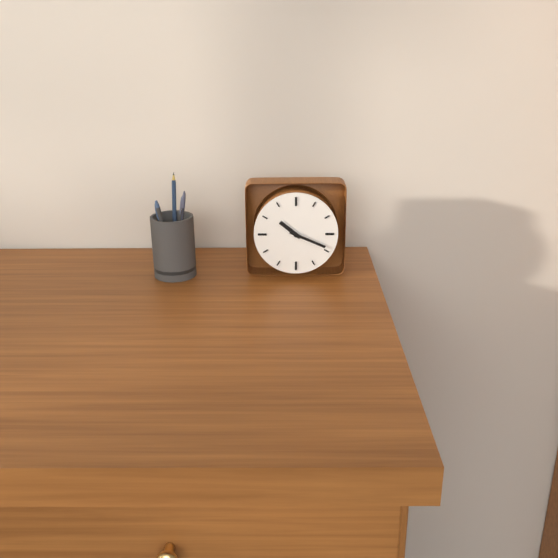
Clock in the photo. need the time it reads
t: 10:19
